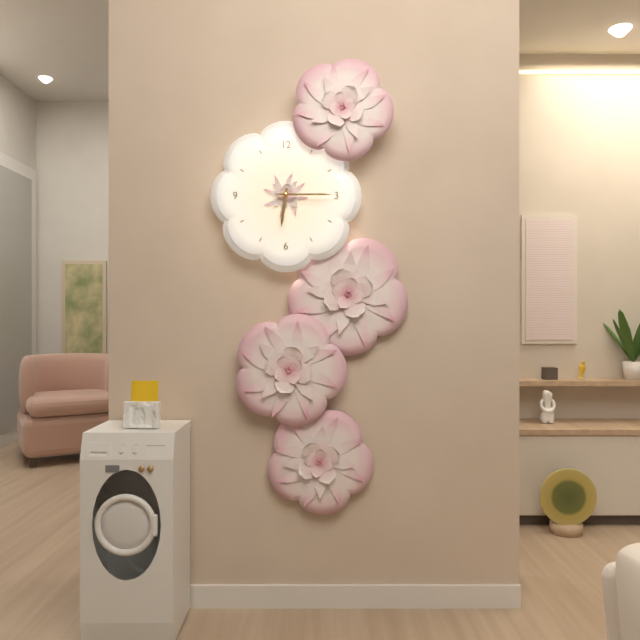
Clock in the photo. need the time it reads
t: 6:15
